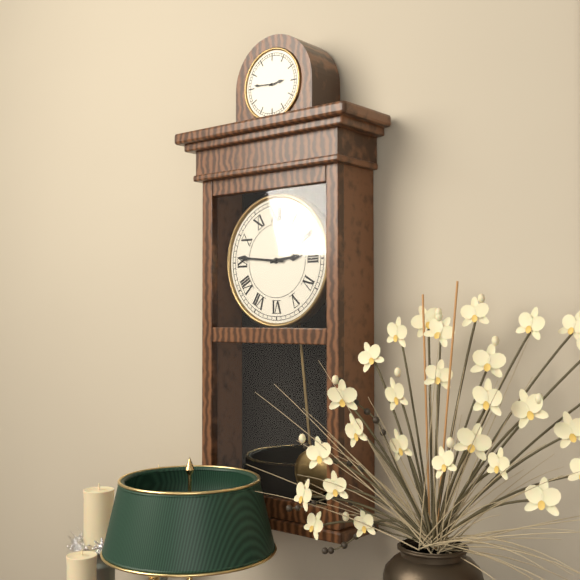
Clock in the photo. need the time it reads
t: 2:46
